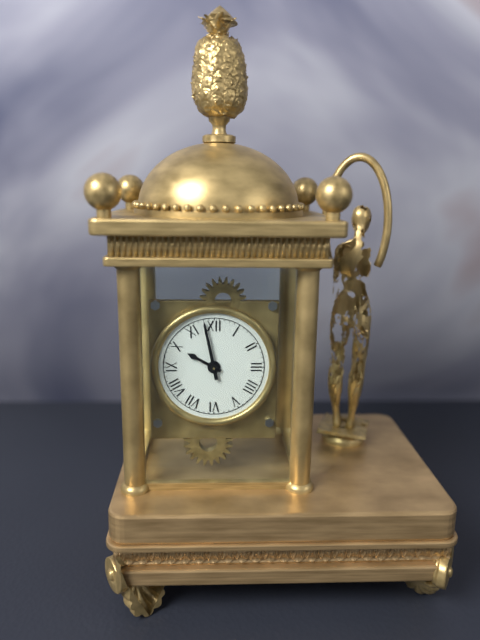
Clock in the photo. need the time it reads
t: 9:58
